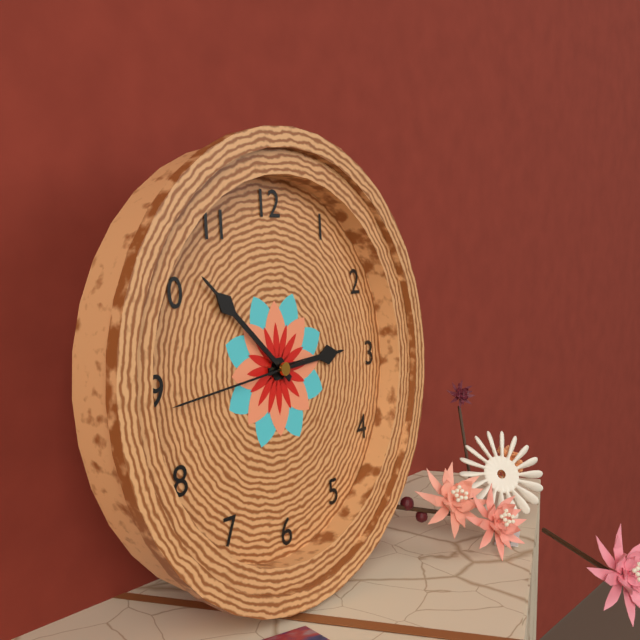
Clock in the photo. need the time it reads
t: 2:52:44
